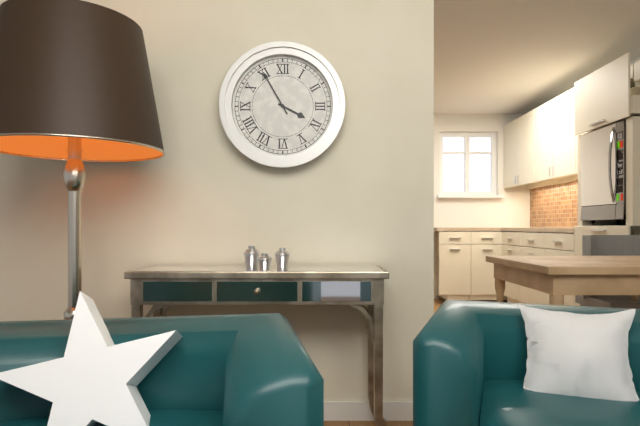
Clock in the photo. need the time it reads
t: 3:55
